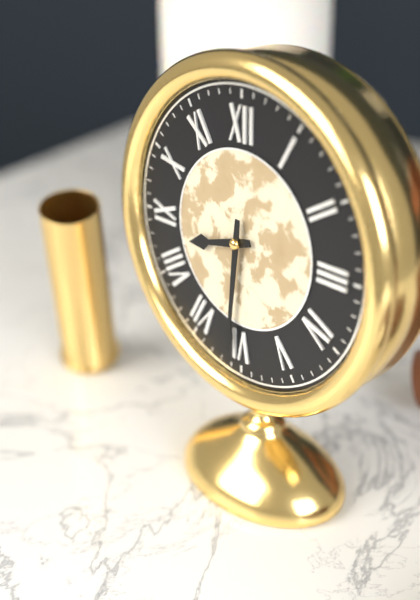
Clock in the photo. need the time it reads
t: 8:31
